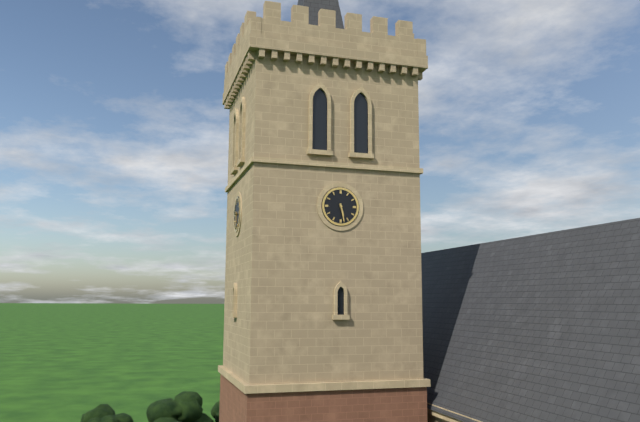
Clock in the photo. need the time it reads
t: 5:28
